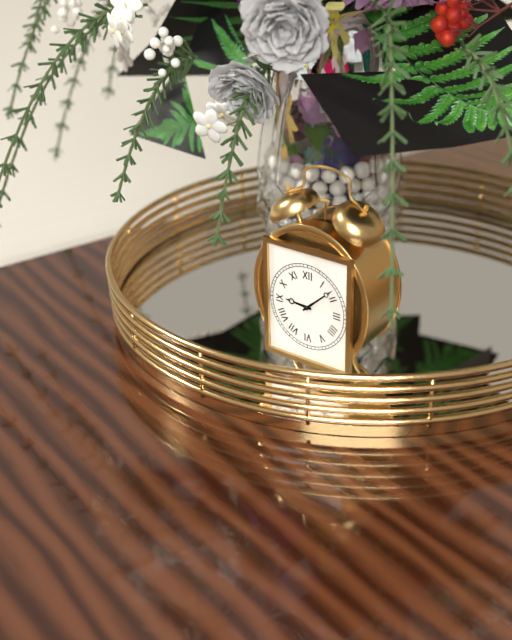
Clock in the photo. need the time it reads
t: 9:08
